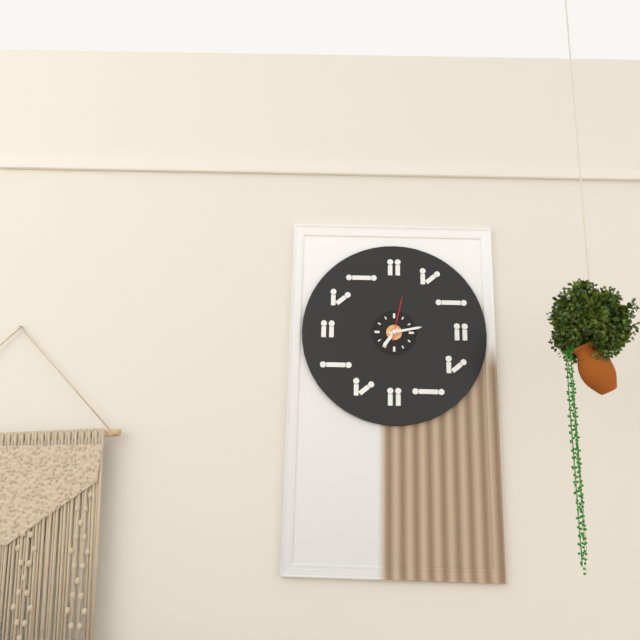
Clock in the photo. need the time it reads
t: 7:13
